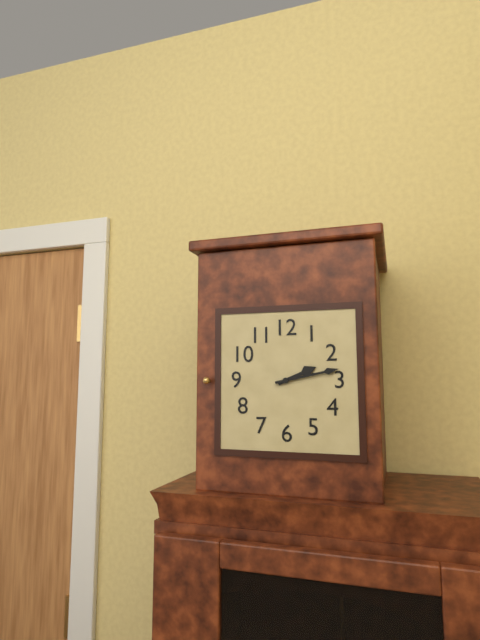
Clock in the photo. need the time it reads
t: 2:13
